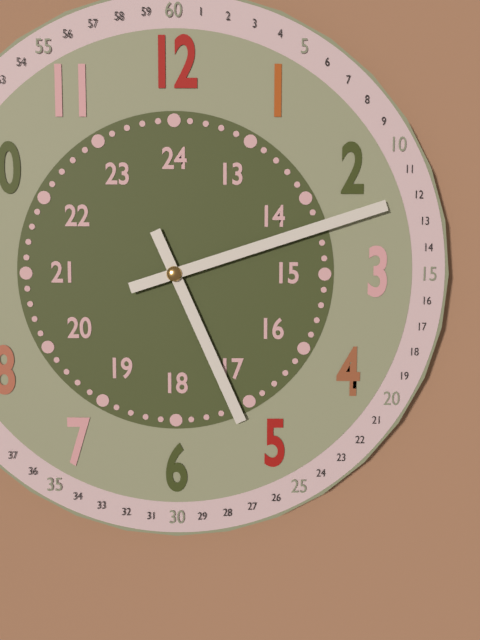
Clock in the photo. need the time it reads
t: 5:12
